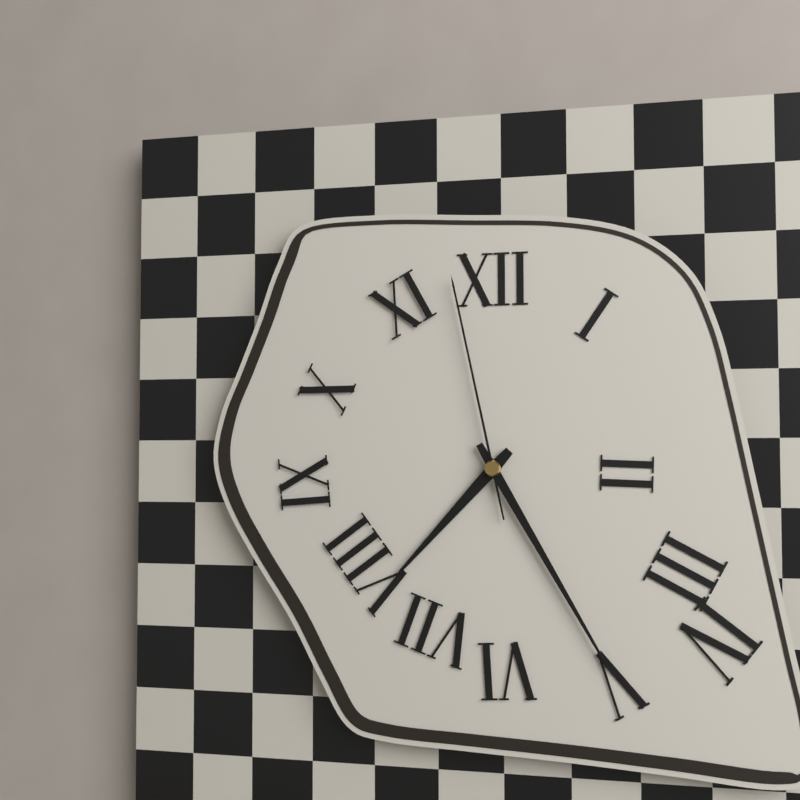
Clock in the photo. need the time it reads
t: 7:25:58
